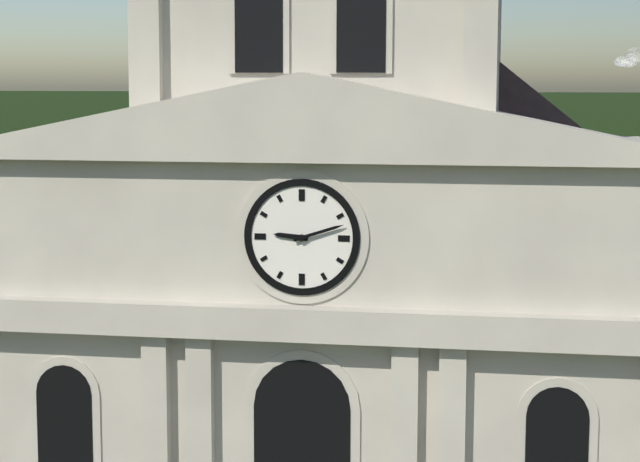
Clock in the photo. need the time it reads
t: 9:12
